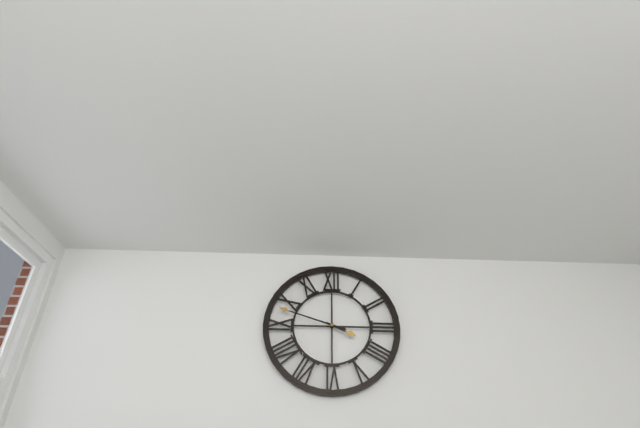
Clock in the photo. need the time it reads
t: 3:48
